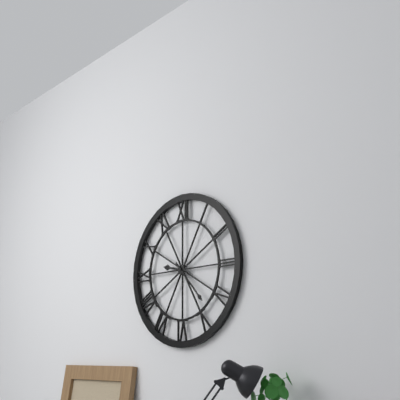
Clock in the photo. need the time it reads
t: 9:23
